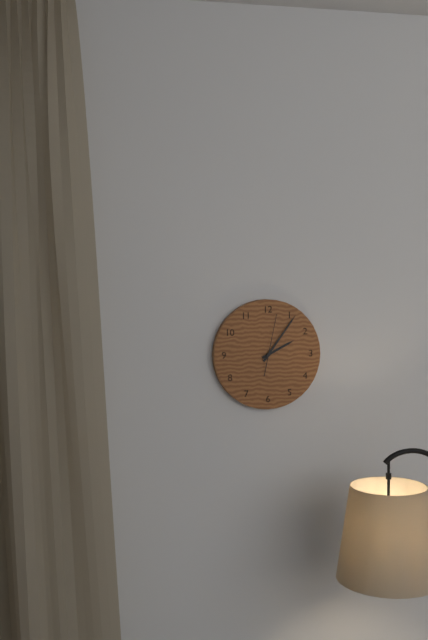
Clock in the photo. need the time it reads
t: 2:06:02
